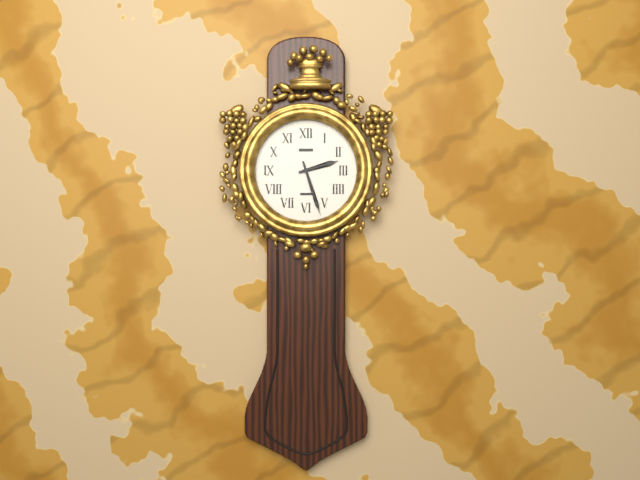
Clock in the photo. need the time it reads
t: 2:27
